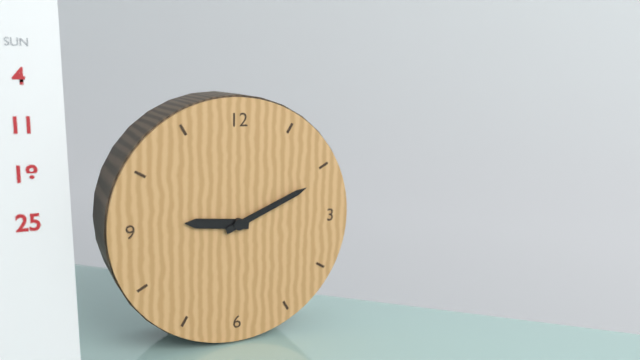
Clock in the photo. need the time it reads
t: 9:11
